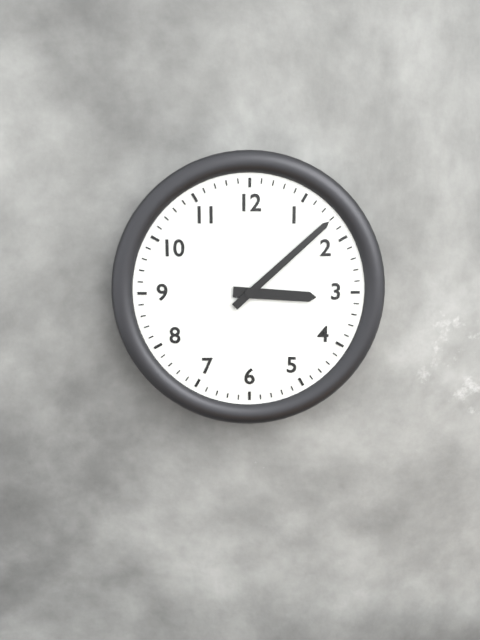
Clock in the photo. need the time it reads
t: 3:08
